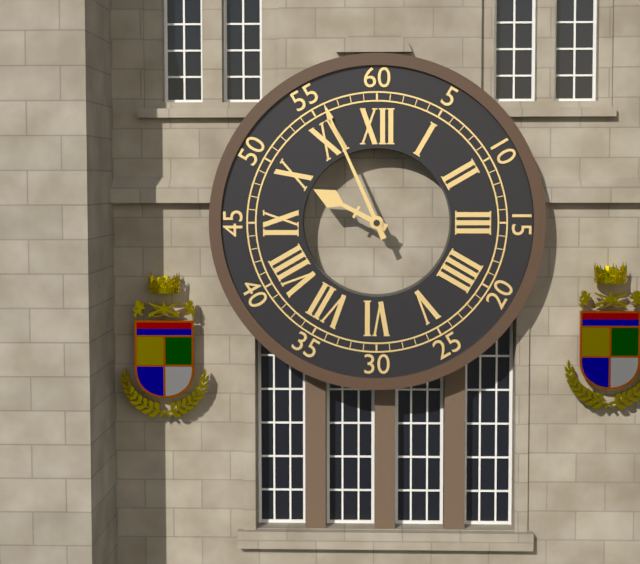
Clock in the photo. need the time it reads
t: 9:56
